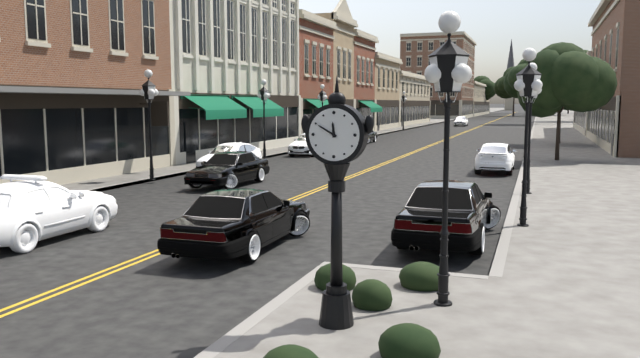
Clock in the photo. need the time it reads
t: 11:50
